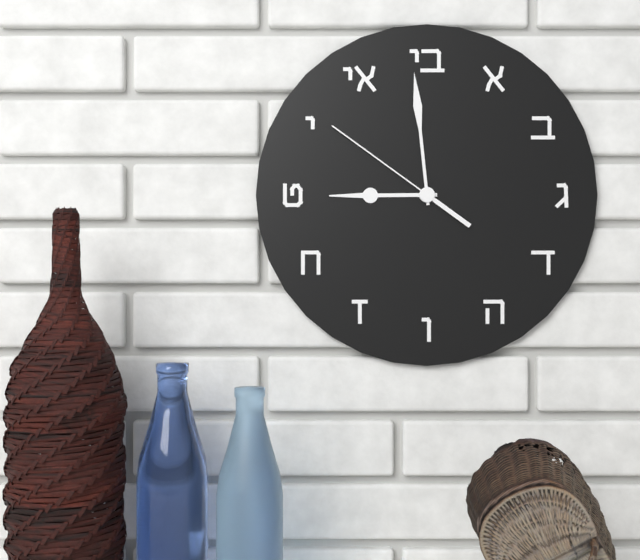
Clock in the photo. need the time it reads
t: 8:59:51
